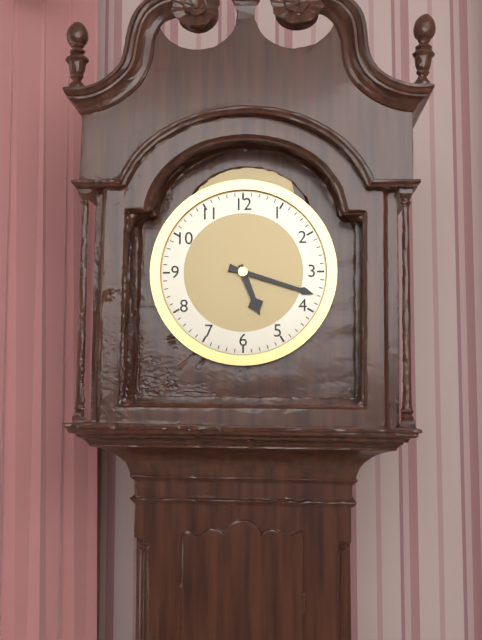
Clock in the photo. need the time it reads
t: 5:18
